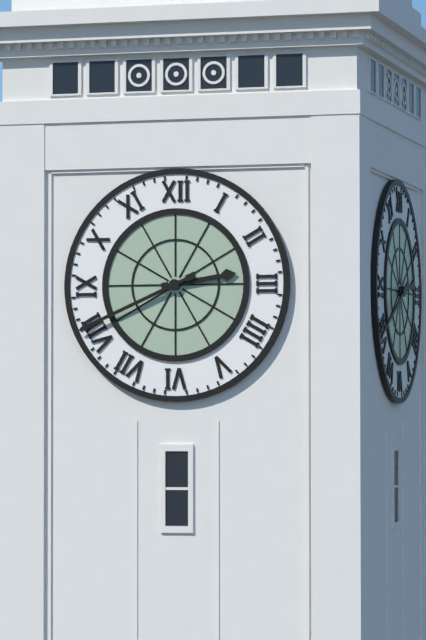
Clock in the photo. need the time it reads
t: 2:41
